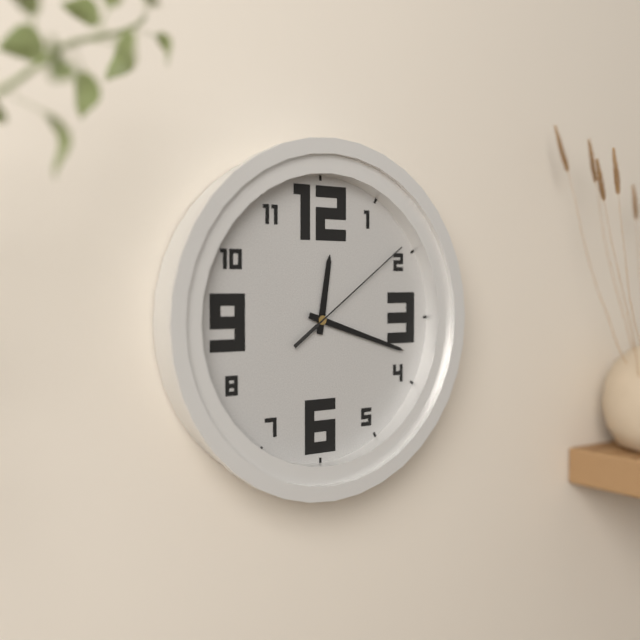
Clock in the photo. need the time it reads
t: 12:18:09
